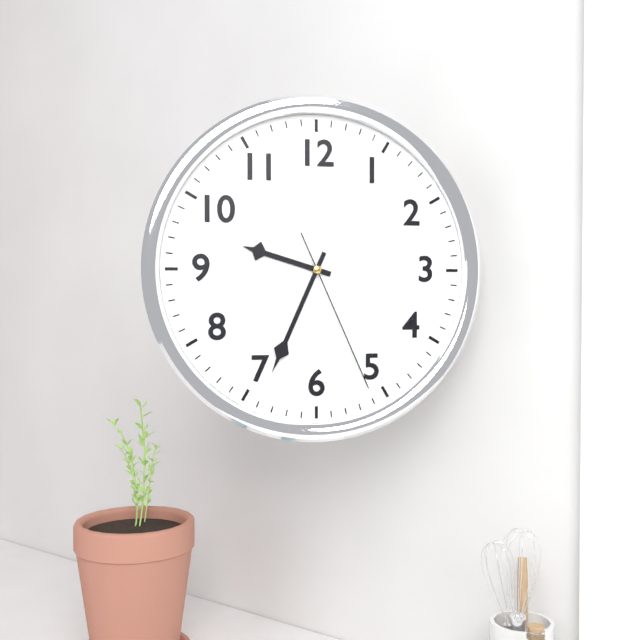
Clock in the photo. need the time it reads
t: 9:34:26
